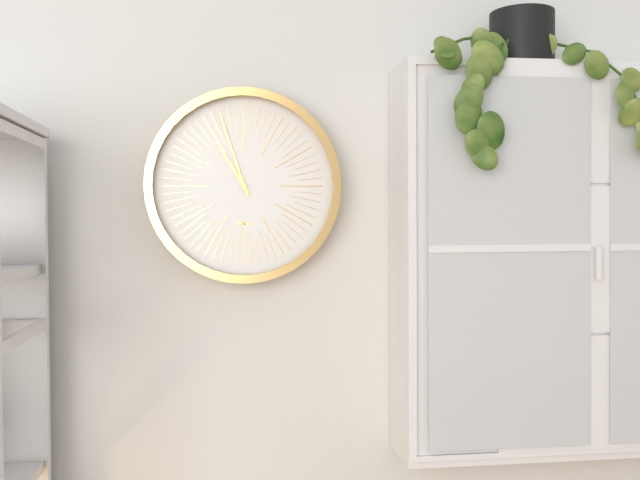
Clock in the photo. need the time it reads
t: 10:57
